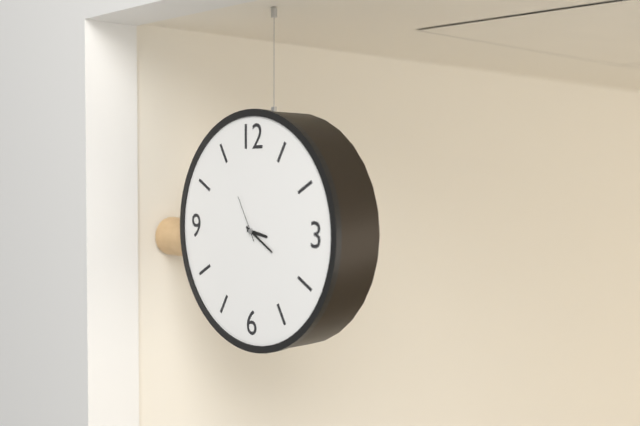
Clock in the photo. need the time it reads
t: 3:20:55
